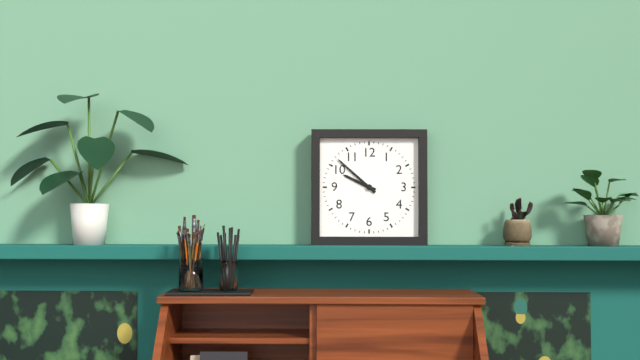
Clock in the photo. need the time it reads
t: 9:52
